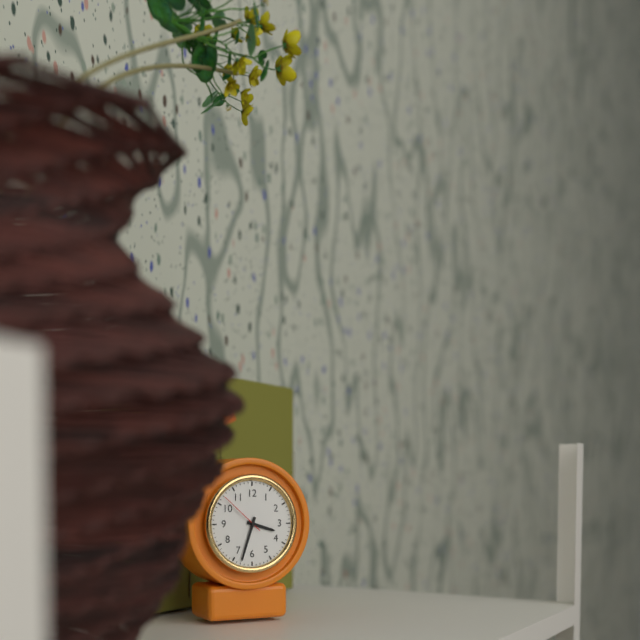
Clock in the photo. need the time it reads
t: 3:33
